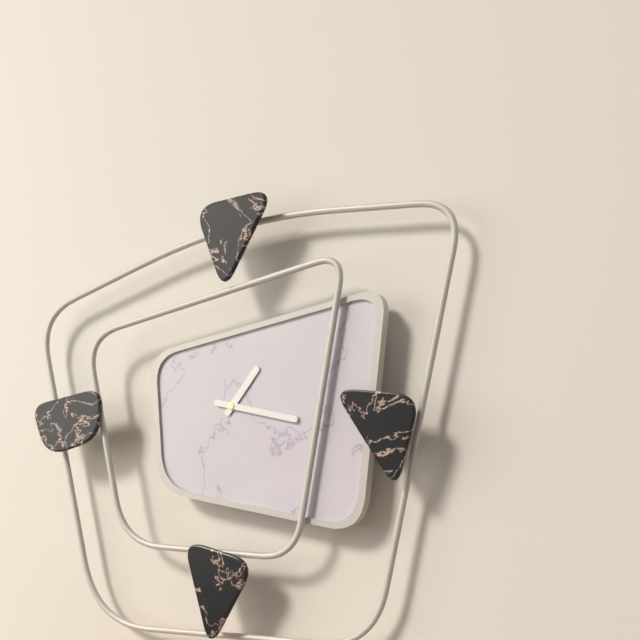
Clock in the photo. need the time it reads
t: 1:17
